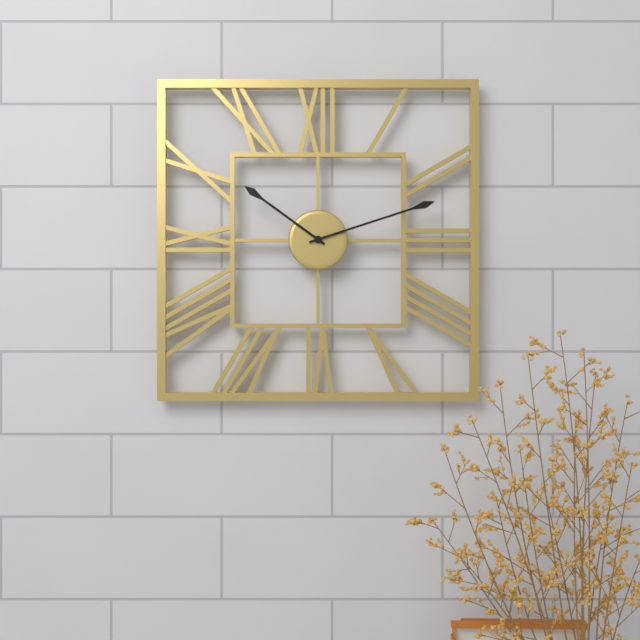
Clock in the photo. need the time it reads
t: 10:12
